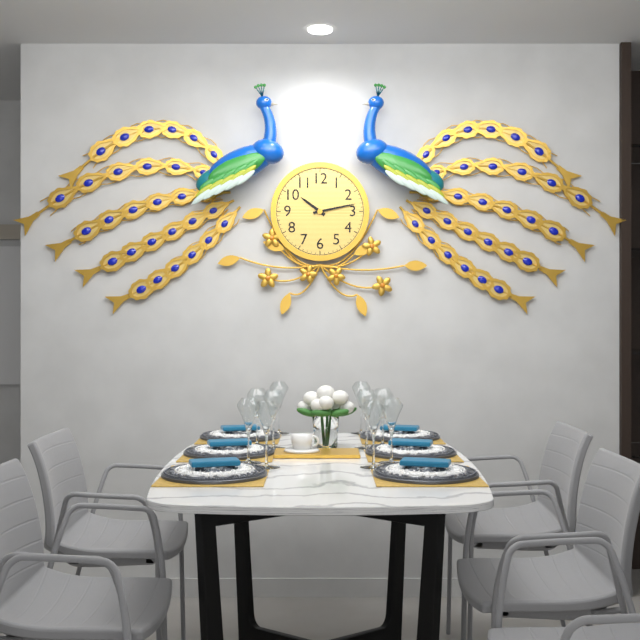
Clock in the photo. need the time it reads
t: 10:13
